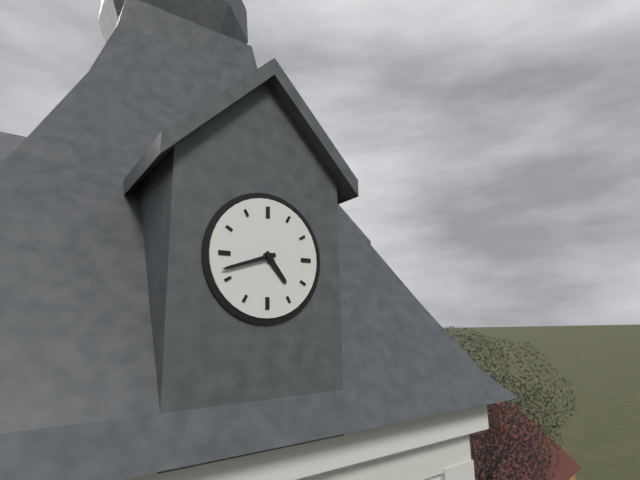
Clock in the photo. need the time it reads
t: 4:42
